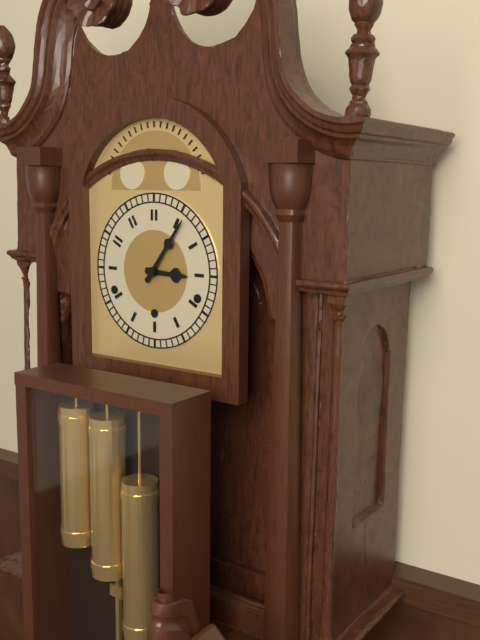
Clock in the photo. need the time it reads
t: 3:06
